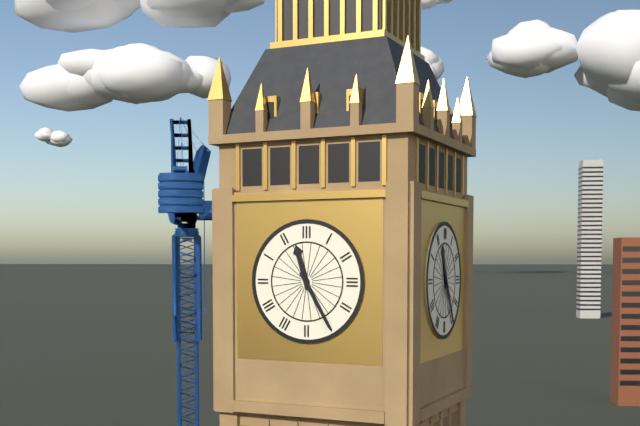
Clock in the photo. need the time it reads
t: 11:25
